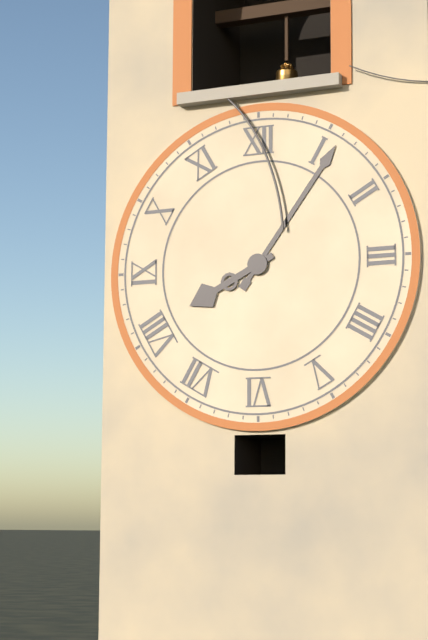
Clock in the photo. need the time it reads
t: 8:06
